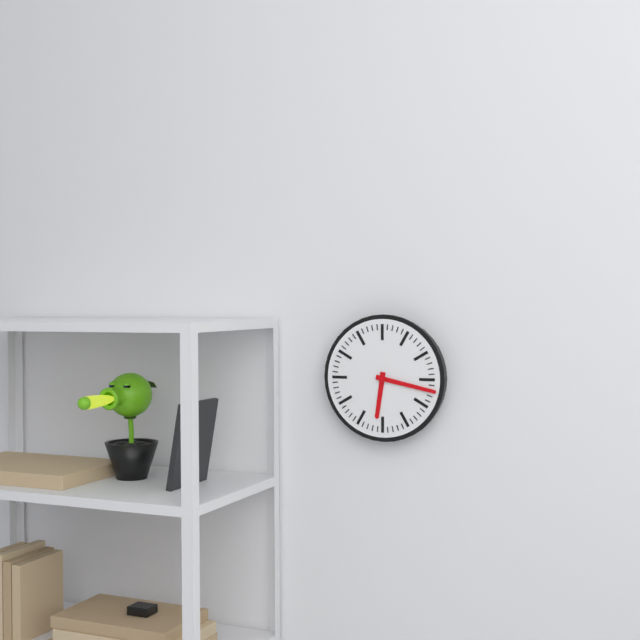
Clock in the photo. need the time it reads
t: 6:17
